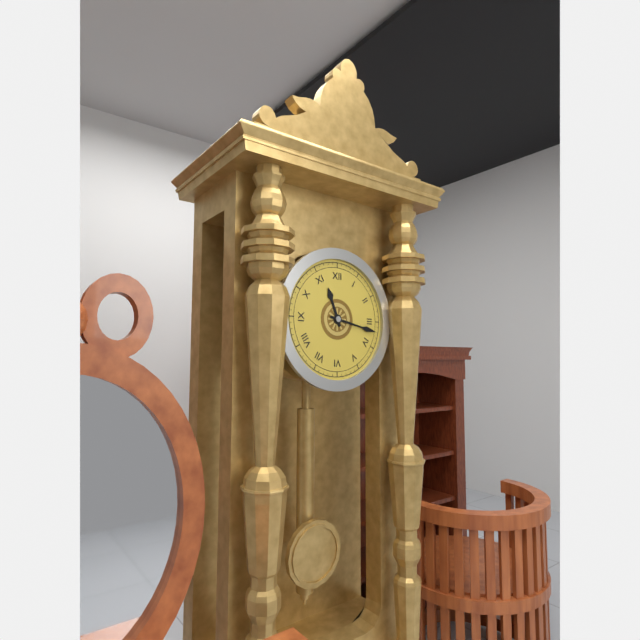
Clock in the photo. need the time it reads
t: 11:17
